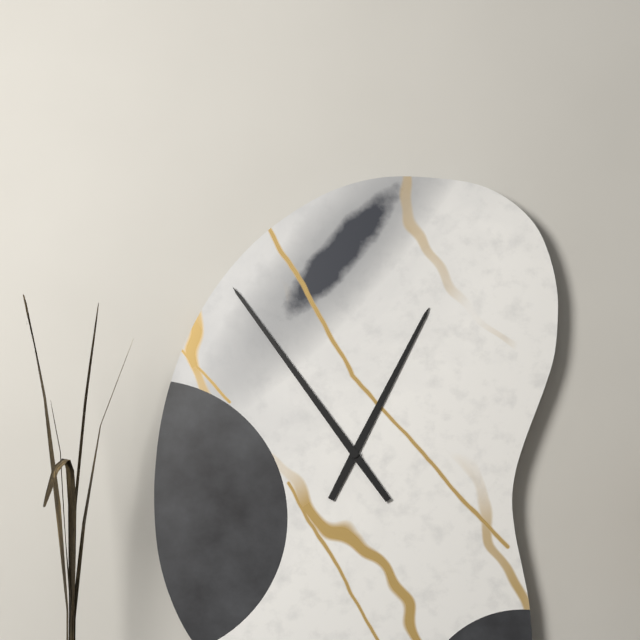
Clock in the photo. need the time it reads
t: 12:54
